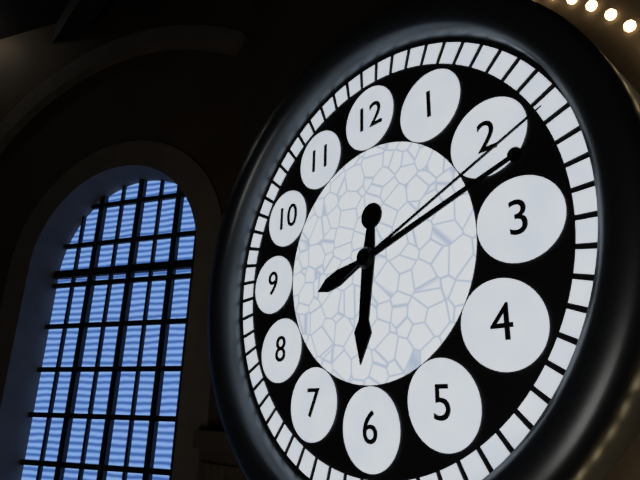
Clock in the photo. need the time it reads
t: 6:12:11
